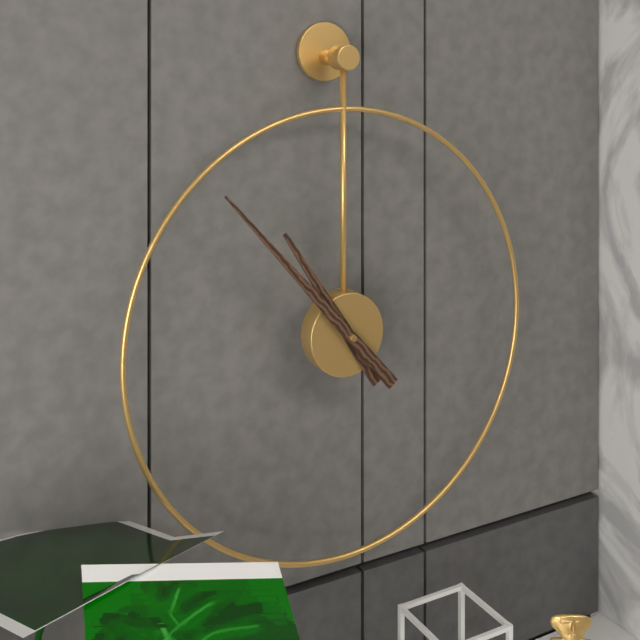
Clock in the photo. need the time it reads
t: 10:53
